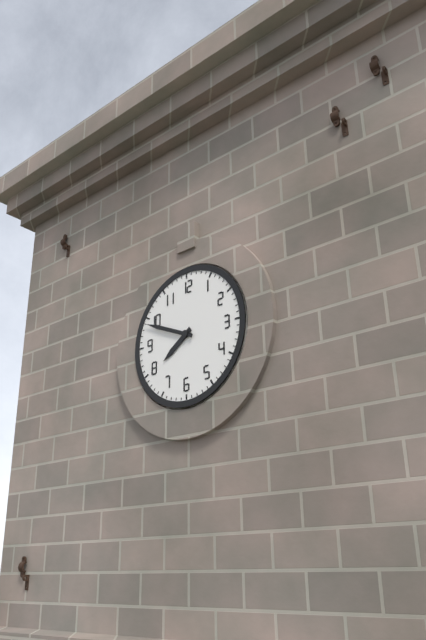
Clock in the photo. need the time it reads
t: 7:49
